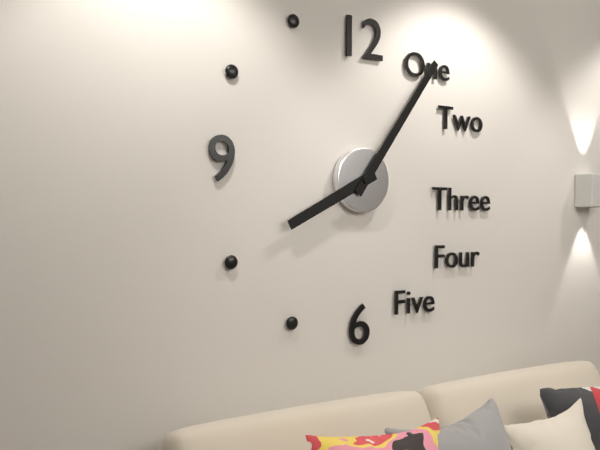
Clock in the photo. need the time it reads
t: 8:06
